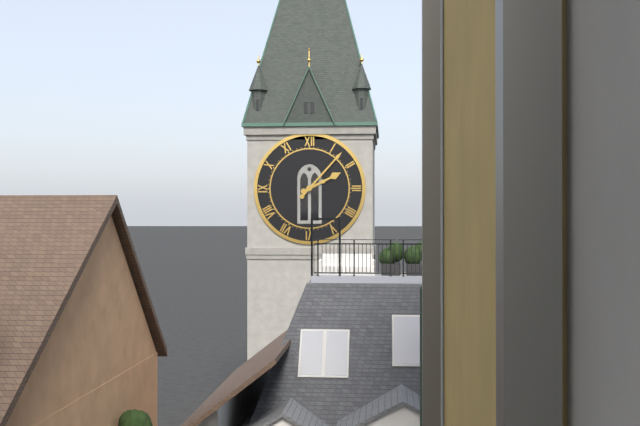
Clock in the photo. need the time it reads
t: 2:07
